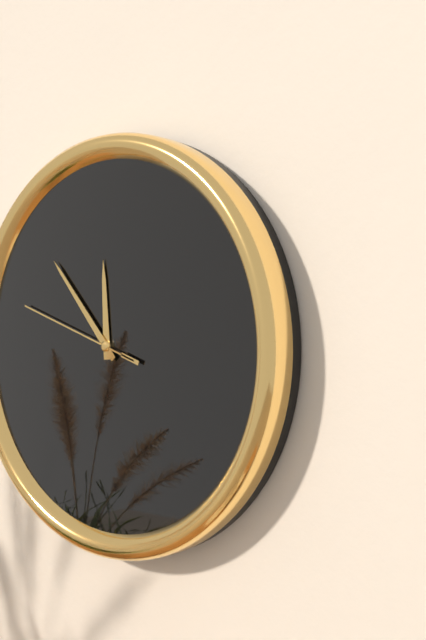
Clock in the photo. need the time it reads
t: 11:53:48
